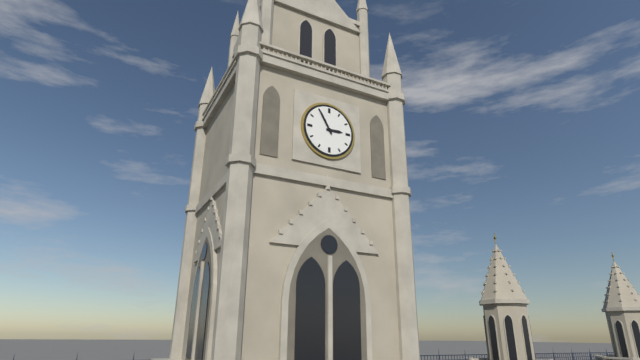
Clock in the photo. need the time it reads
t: 2:55
